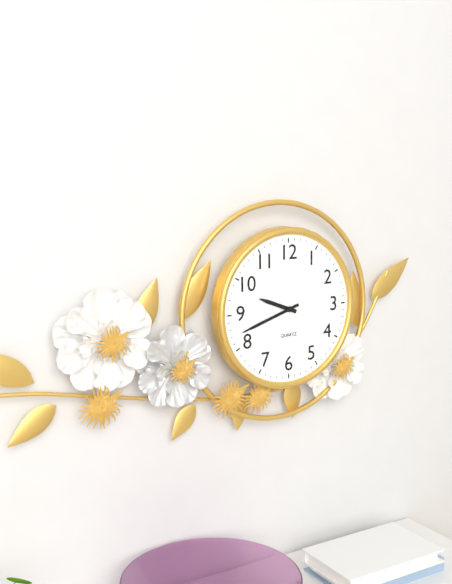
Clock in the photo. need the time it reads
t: 9:42
